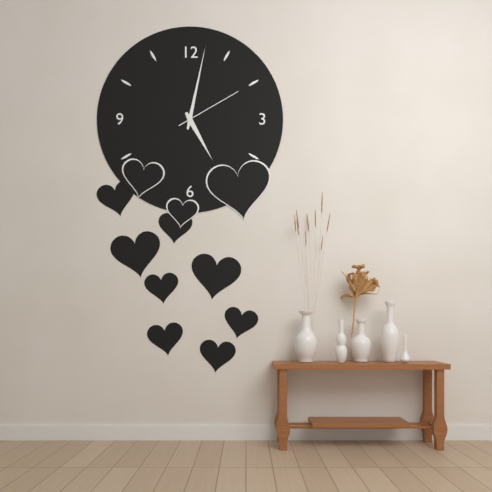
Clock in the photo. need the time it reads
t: 5:02:10
